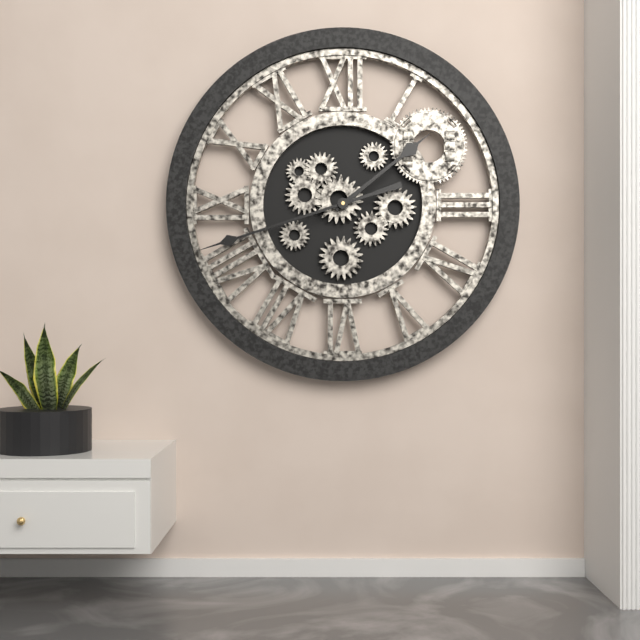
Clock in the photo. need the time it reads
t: 1:42
